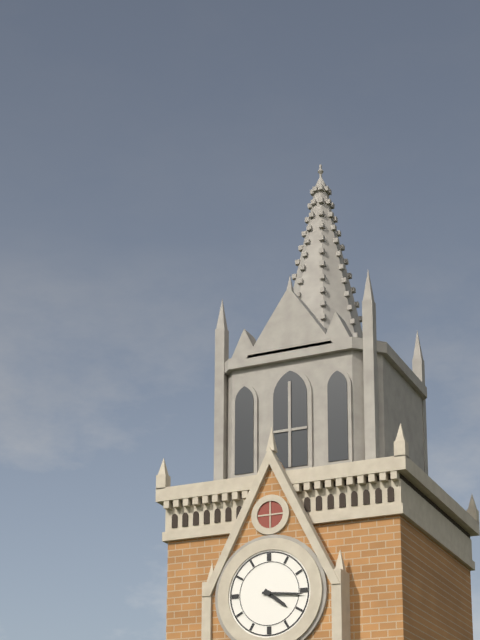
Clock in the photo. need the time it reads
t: 4:16
